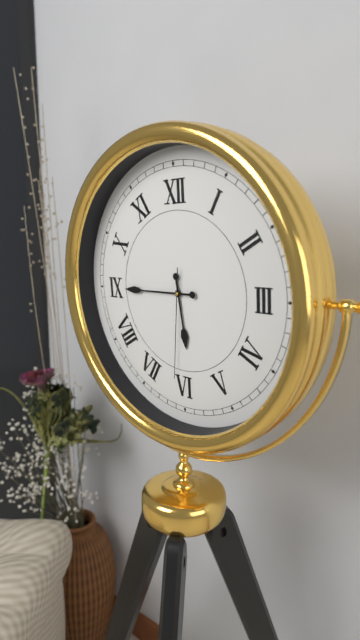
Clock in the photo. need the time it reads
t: 5:45:31
